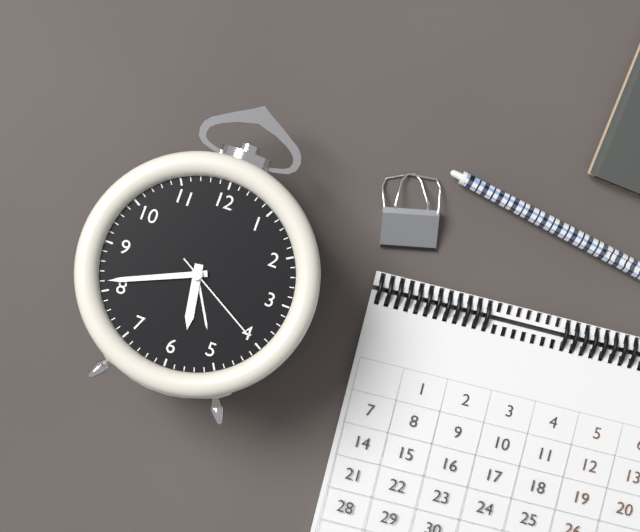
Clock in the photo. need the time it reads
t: 5:41:20
